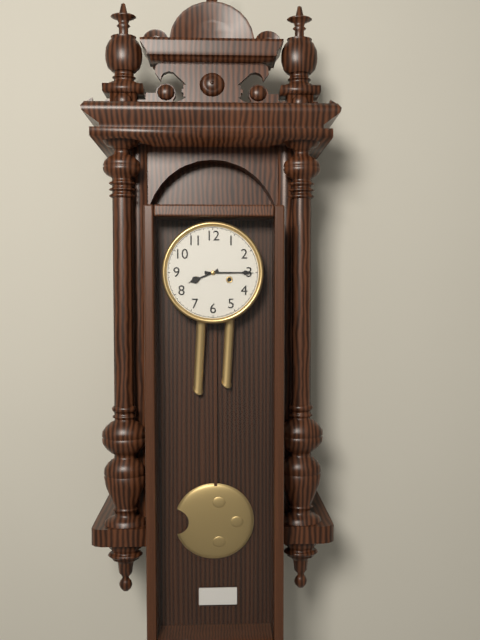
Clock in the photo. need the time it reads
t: 8:15
